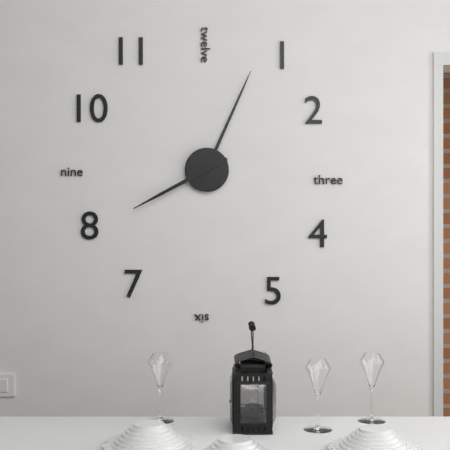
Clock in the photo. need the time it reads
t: 8:04
